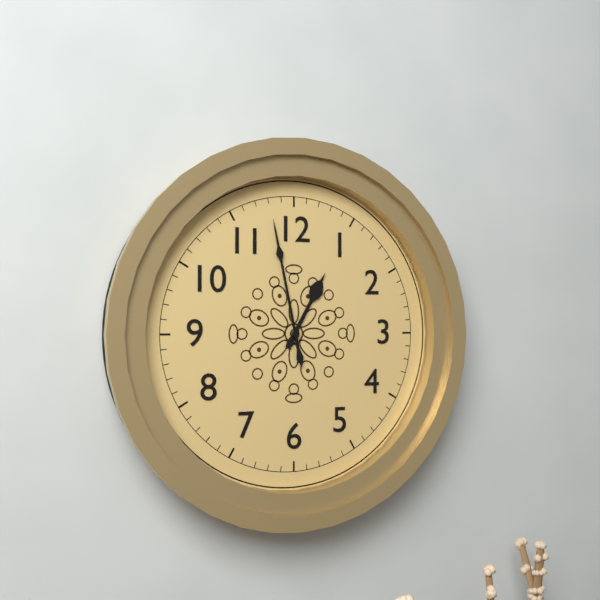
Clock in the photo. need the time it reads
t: 12:58
